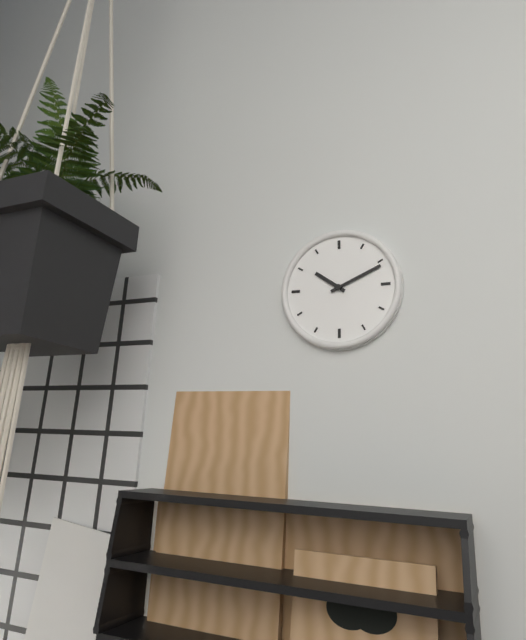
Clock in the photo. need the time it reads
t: 10:11
